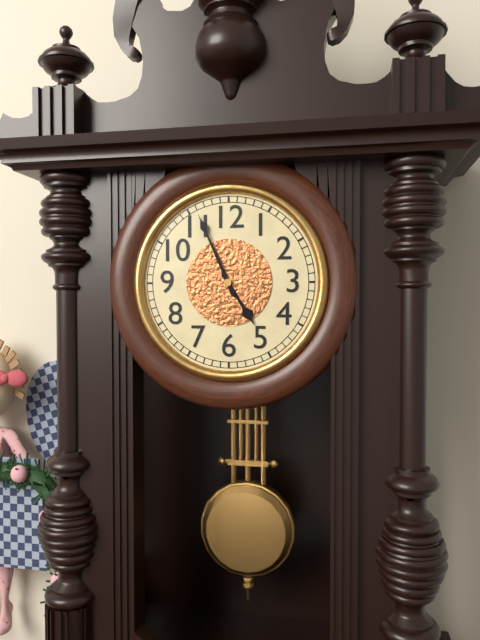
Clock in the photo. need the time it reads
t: 4:56
